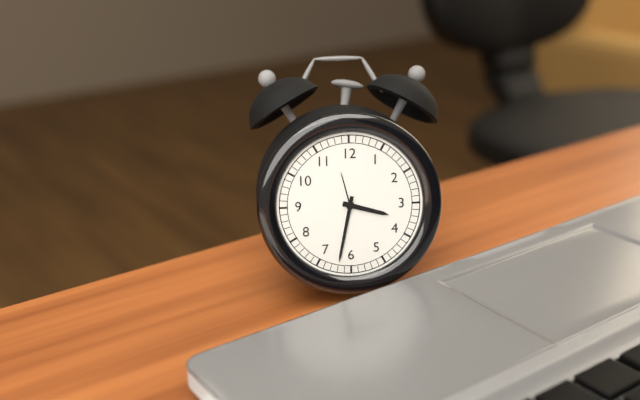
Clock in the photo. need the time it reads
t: 3:32
